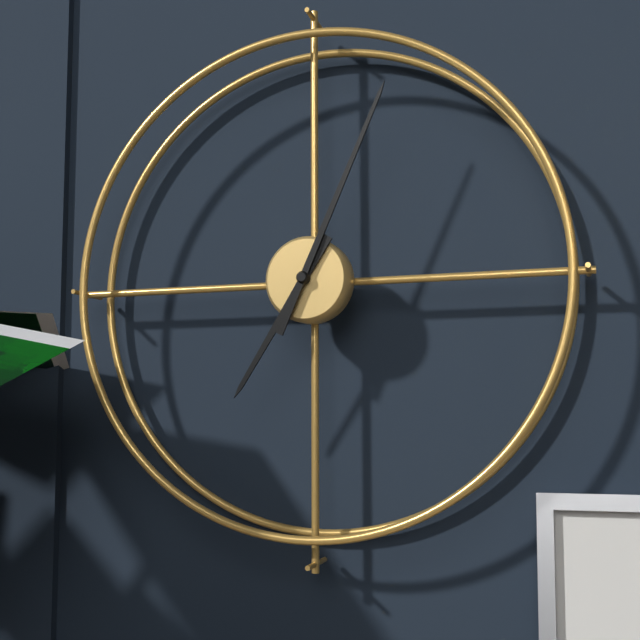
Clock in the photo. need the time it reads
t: 7:04
